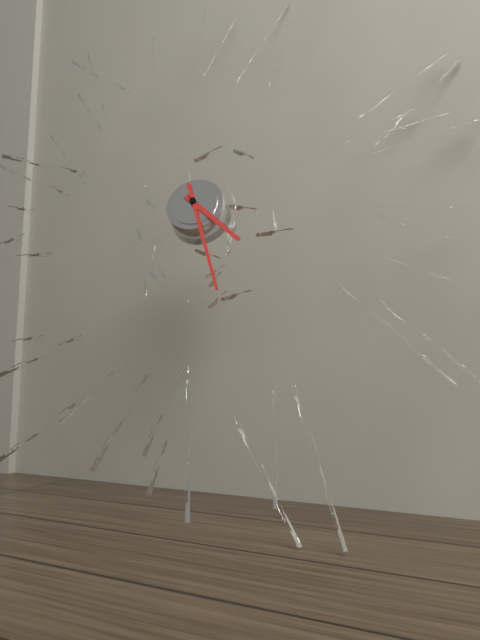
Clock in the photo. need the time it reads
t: 4:27
